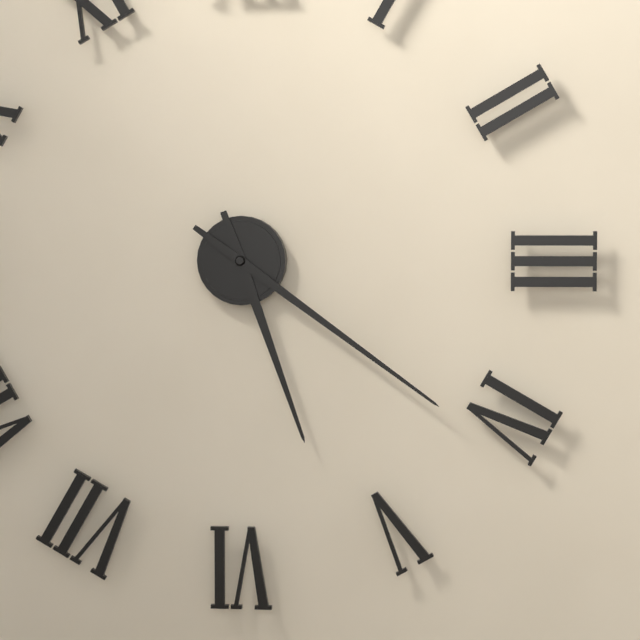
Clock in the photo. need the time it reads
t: 5:21
